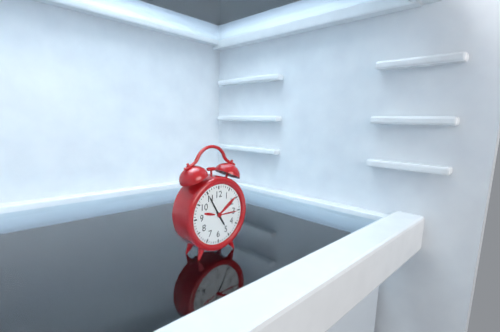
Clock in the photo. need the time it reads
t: 4:55
